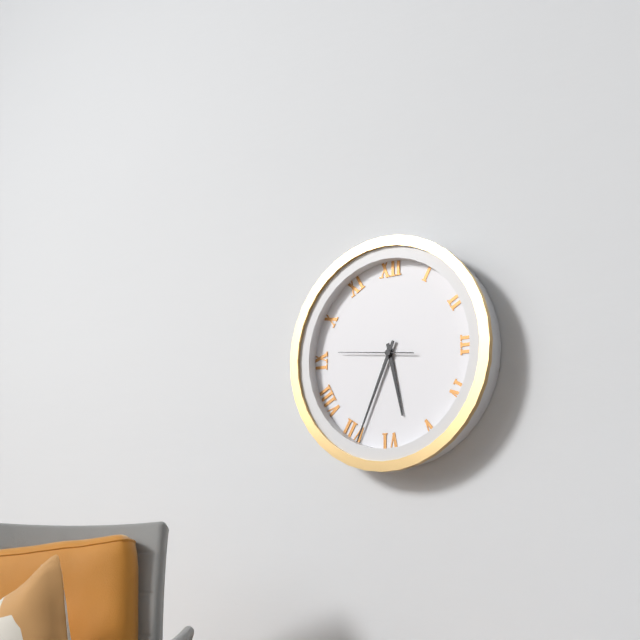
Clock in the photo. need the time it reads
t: 5:34:46
